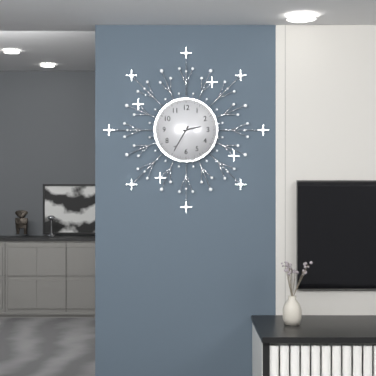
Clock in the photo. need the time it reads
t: 2:35
